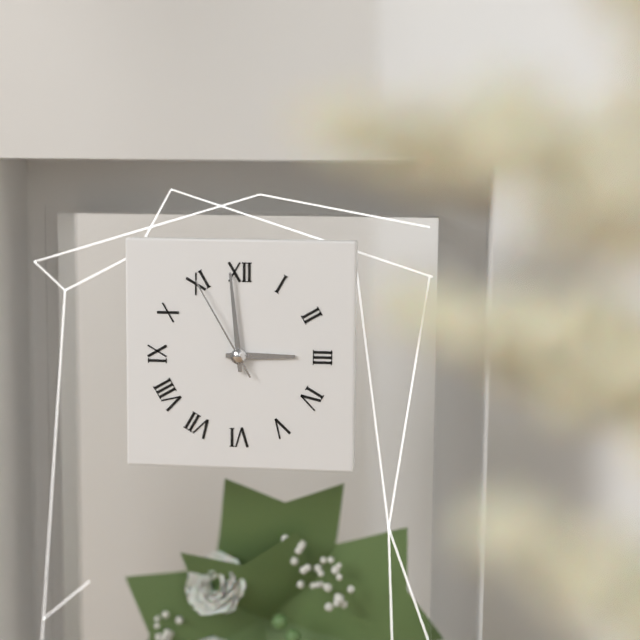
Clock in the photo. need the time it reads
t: 2:59:55
